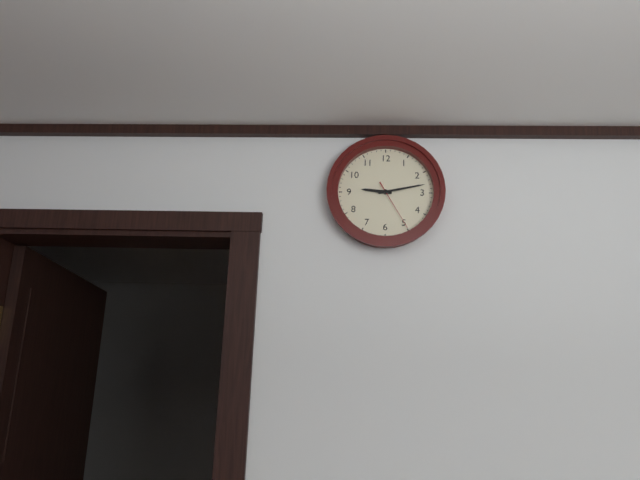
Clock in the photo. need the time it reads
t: 9:13:25
